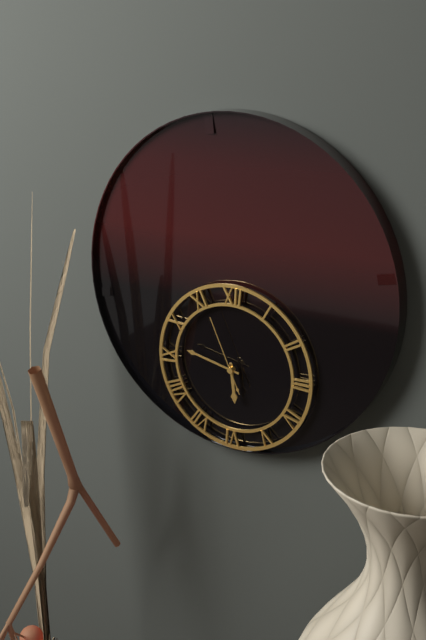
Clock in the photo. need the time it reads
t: 5:47:56
